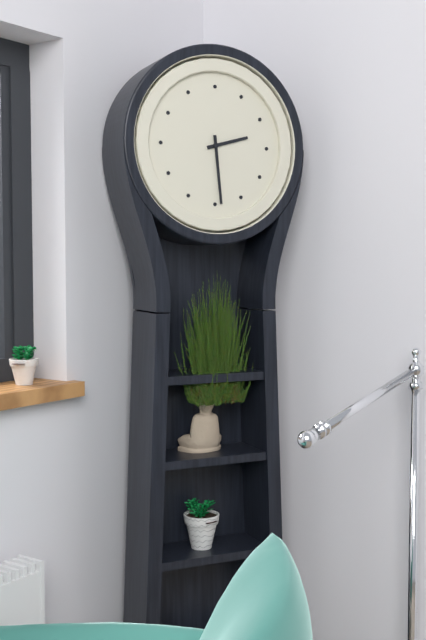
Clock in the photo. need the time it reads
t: 2:29
